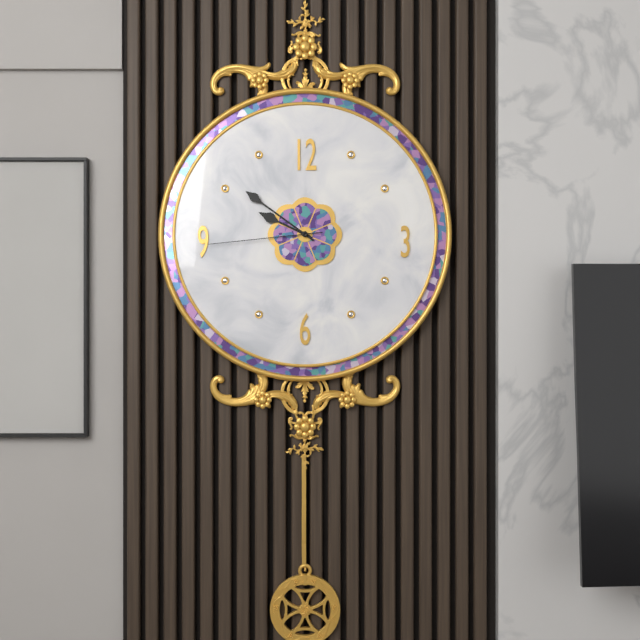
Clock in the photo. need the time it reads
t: 9:51:44
